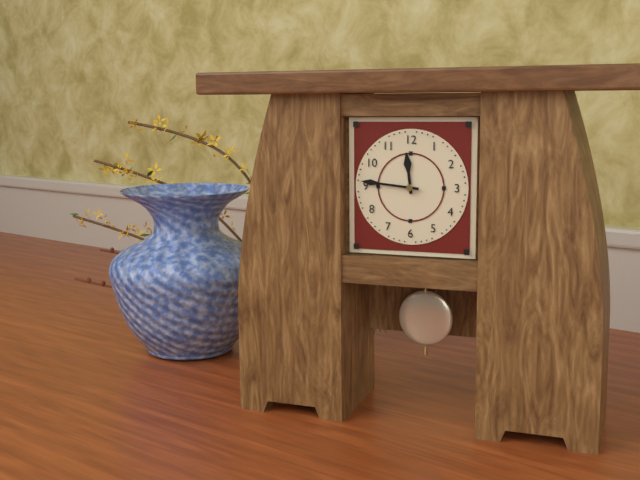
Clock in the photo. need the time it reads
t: 11:46
